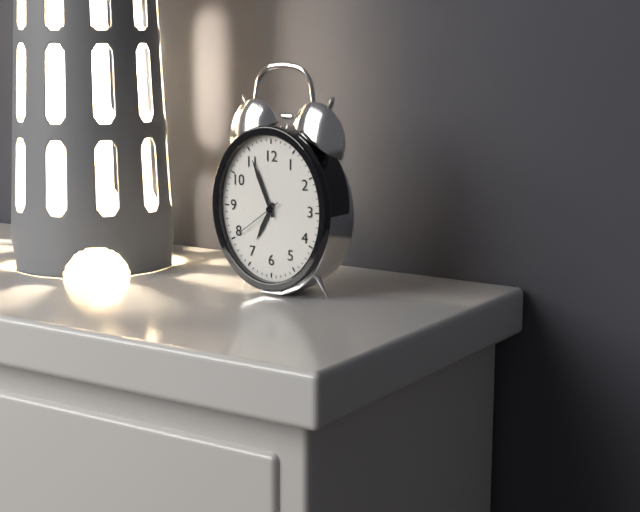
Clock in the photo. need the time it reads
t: 6:56:39
